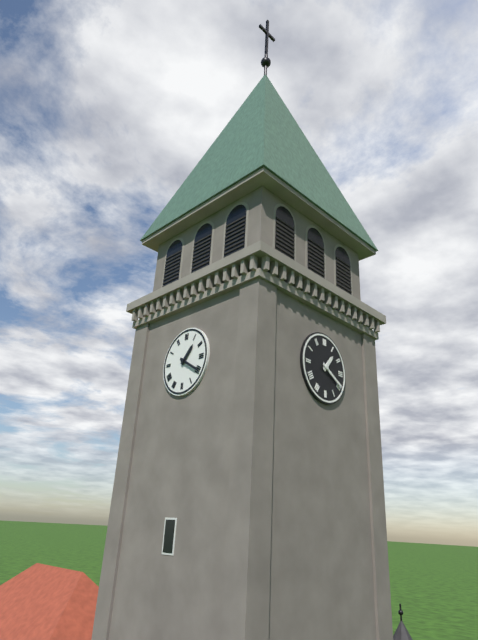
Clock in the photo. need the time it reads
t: 1:20
